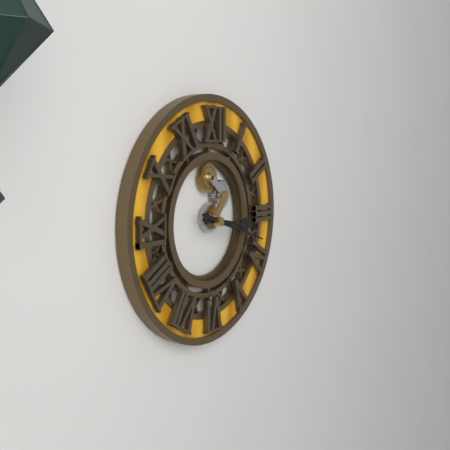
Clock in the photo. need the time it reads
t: 3:18
